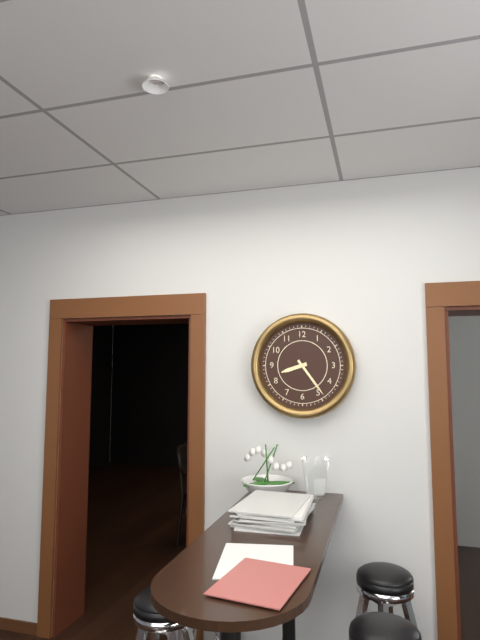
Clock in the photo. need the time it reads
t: 8:24
